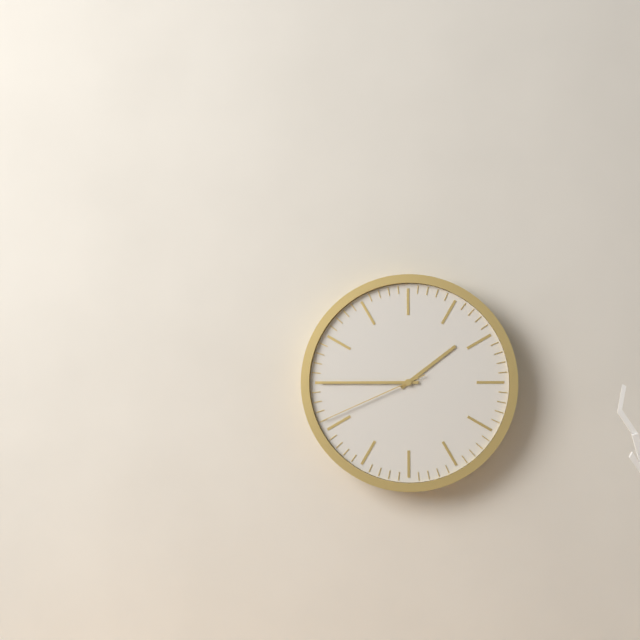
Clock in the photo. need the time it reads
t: 1:45:41
